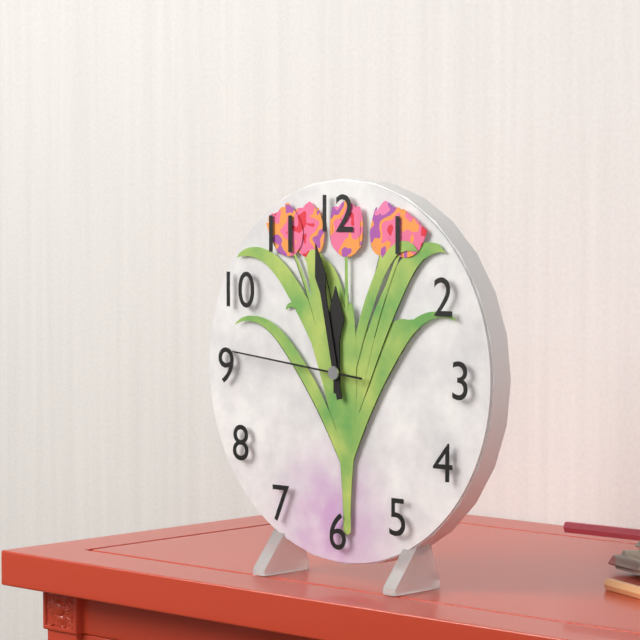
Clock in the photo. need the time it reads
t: 11:58:46
